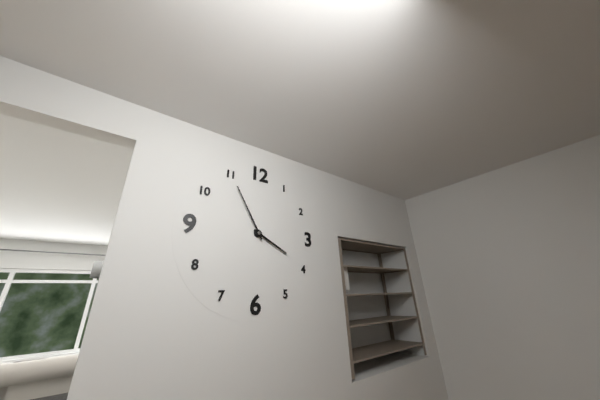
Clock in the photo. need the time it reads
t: 3:55
